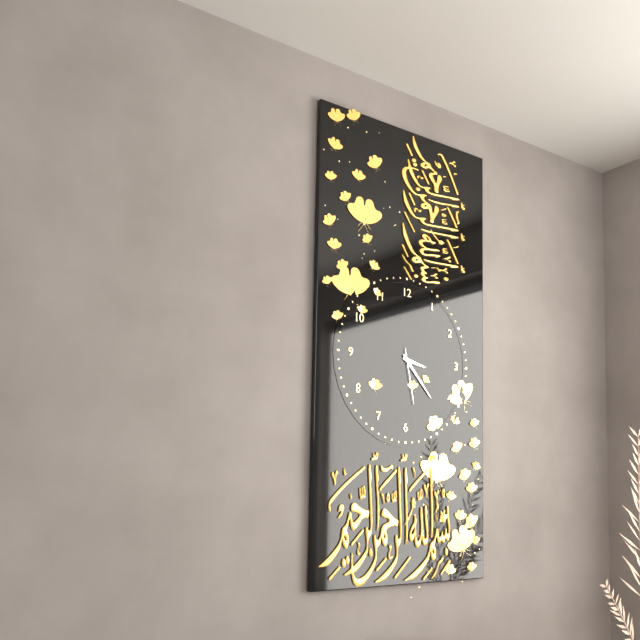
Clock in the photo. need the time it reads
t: 3:23:28
